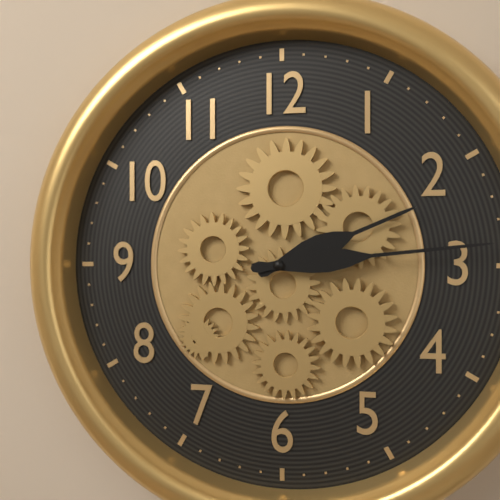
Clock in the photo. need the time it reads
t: 2:14
